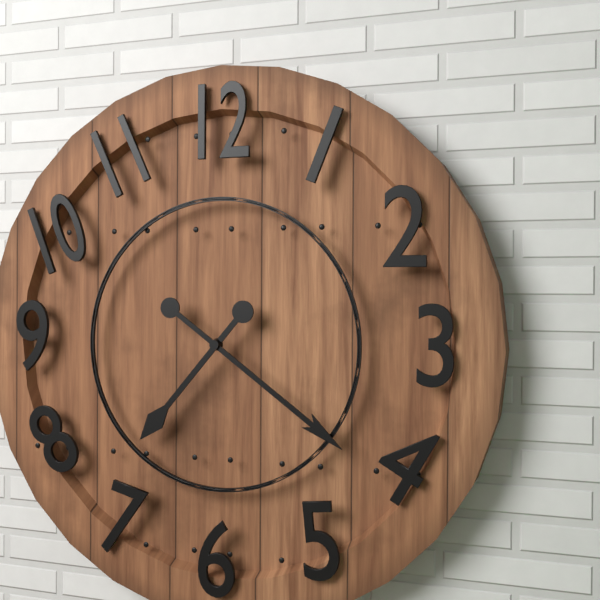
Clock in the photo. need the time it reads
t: 7:21
